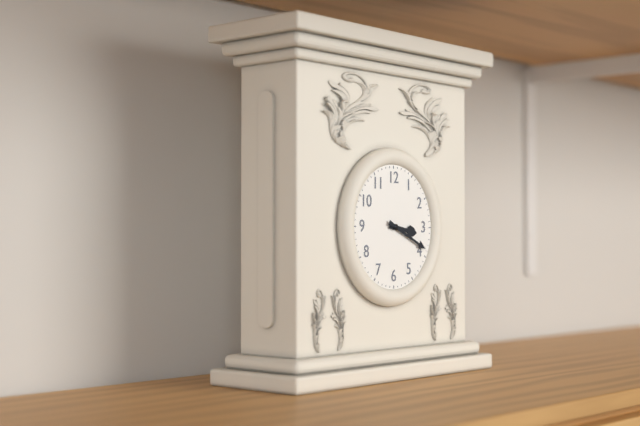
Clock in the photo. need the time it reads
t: 3:19
